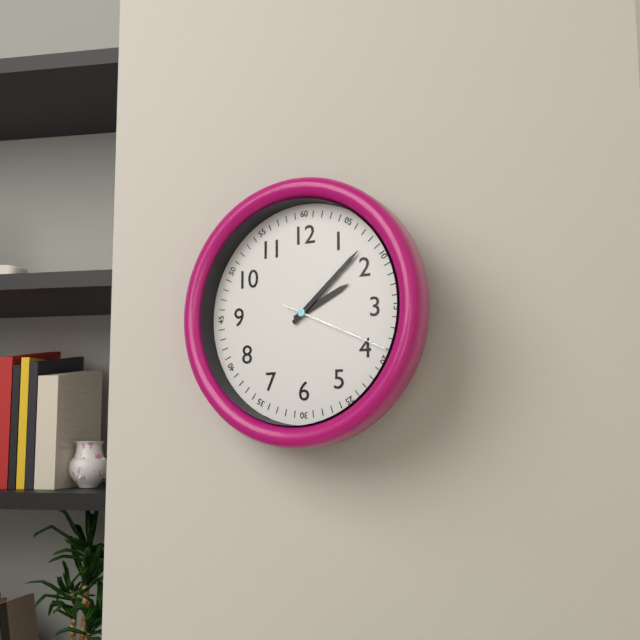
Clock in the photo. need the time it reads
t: 2:08:19
